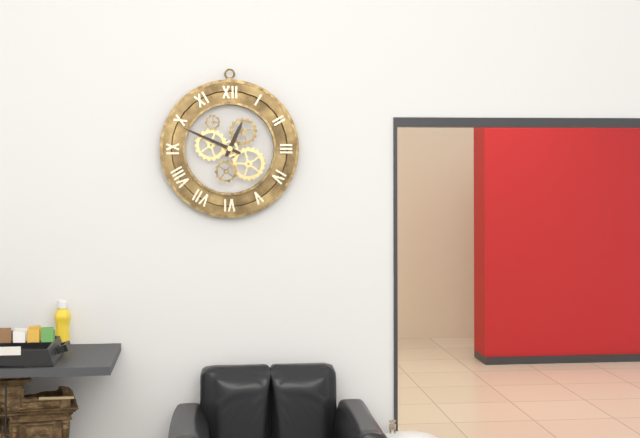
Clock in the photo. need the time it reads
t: 12:49
